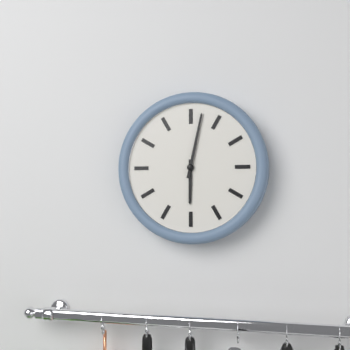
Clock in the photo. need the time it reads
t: 6:02
